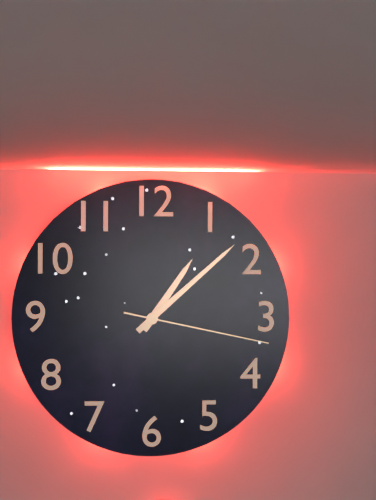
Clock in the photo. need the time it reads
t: 1:08:17
